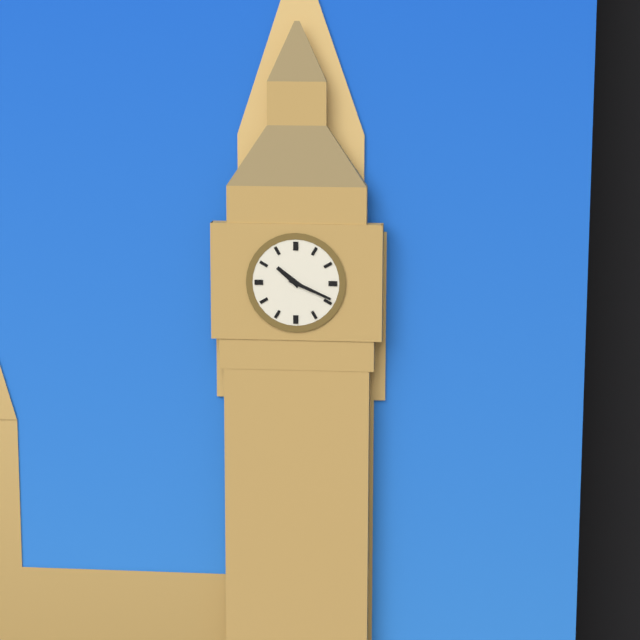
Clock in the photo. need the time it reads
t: 10:19
